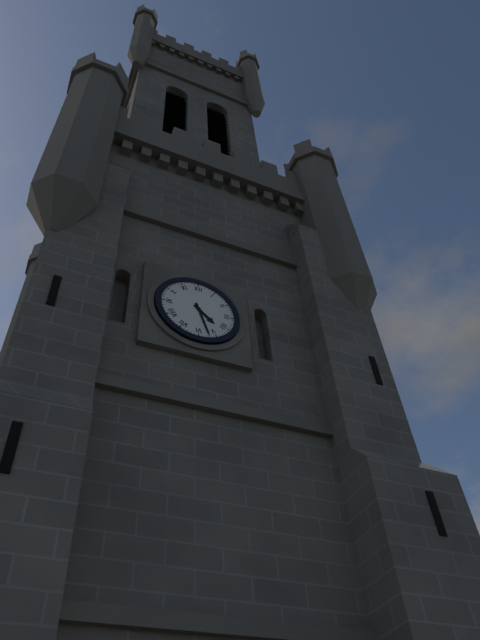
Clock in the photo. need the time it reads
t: 4:27
